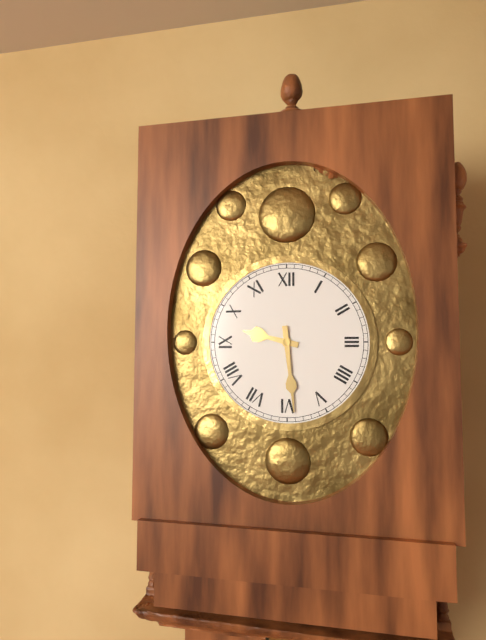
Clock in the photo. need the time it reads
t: 9:29
